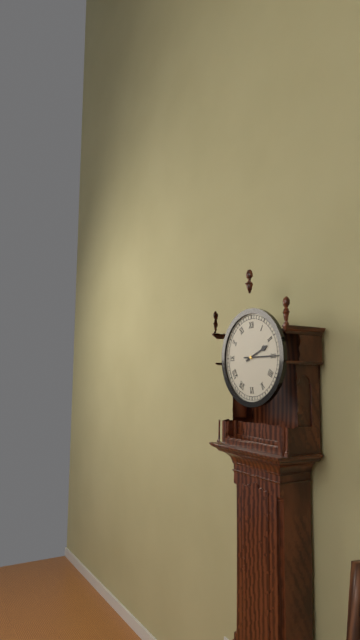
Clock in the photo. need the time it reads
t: 2:15
